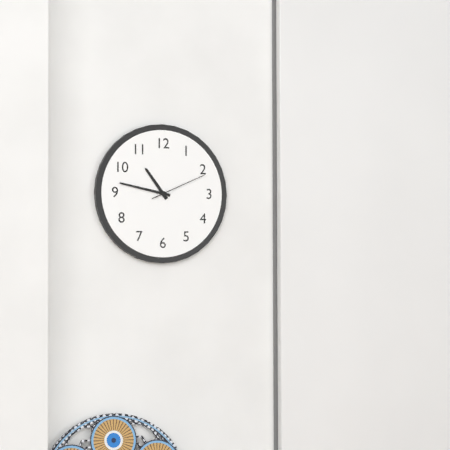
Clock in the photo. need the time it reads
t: 10:47:11
